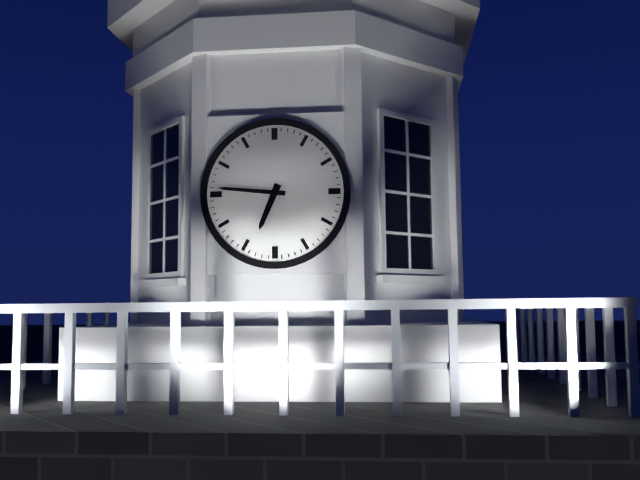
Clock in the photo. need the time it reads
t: 6:46
